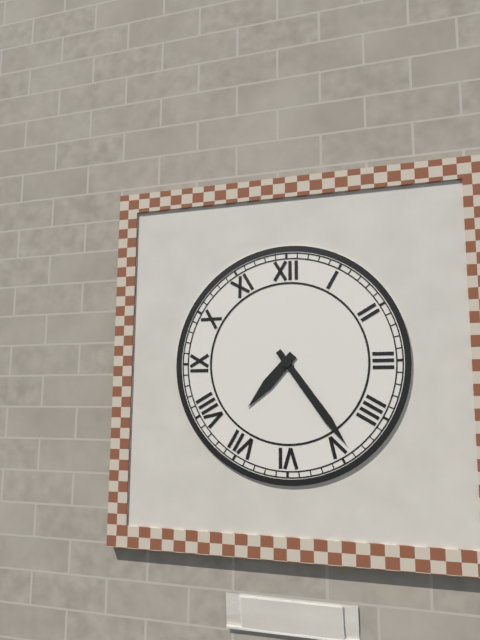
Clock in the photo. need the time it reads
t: 7:24
